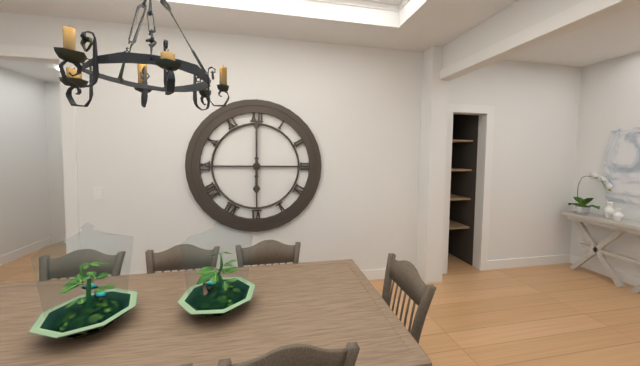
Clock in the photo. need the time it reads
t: 6:00
